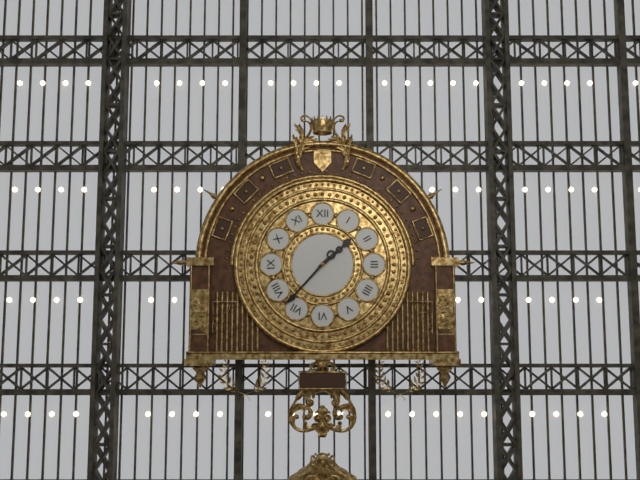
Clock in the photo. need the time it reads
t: 1:37
